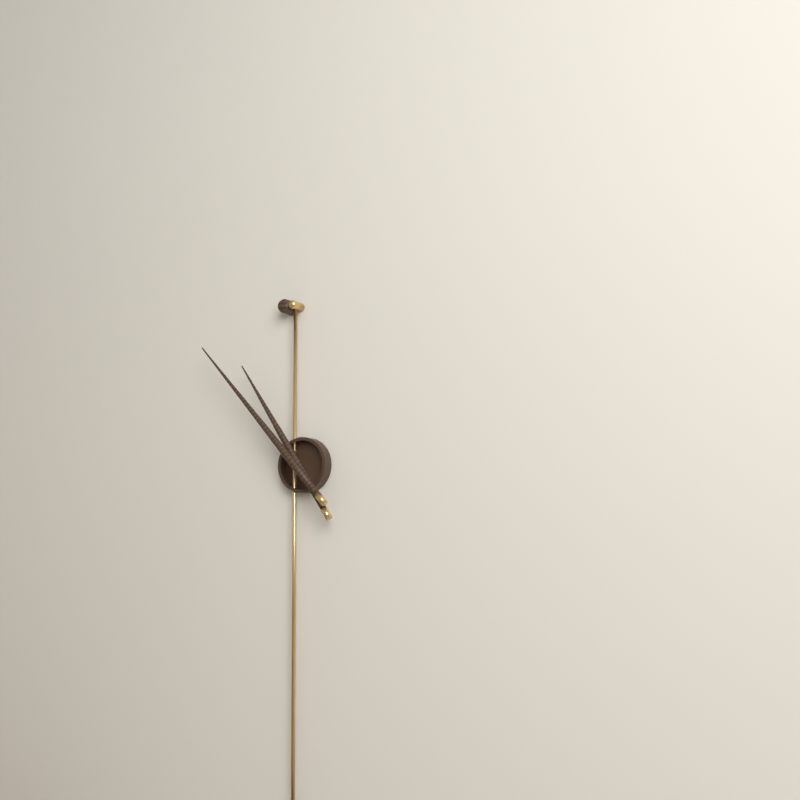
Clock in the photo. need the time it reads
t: 10:53
